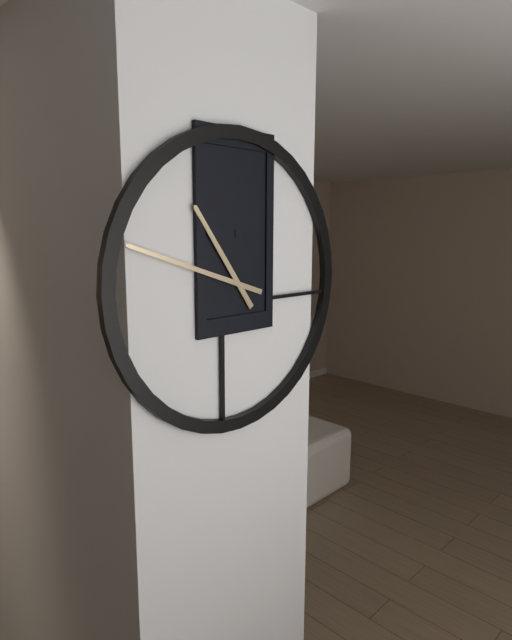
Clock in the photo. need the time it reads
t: 10:48
